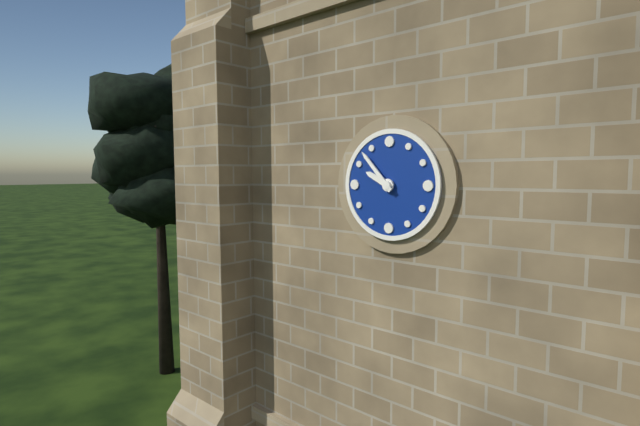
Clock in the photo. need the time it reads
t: 9:53
